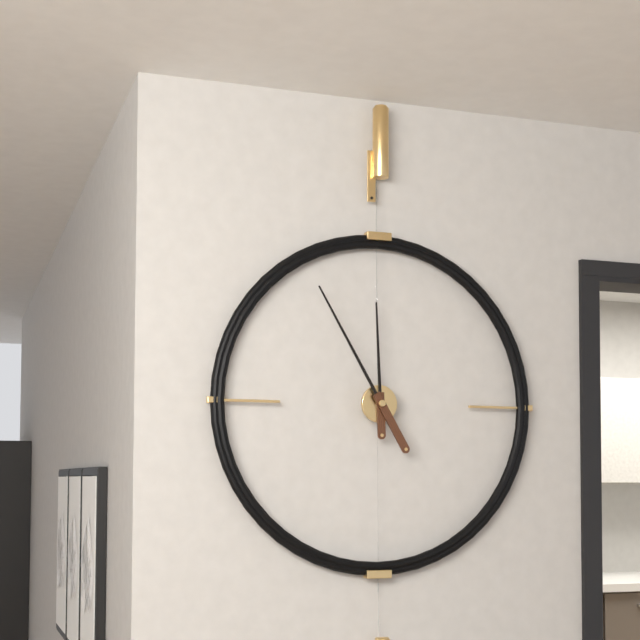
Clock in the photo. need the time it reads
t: 11:55
